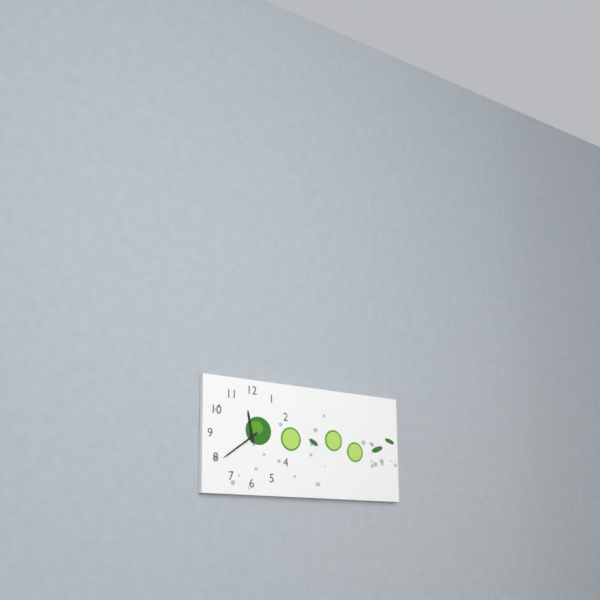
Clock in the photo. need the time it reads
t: 11:39
